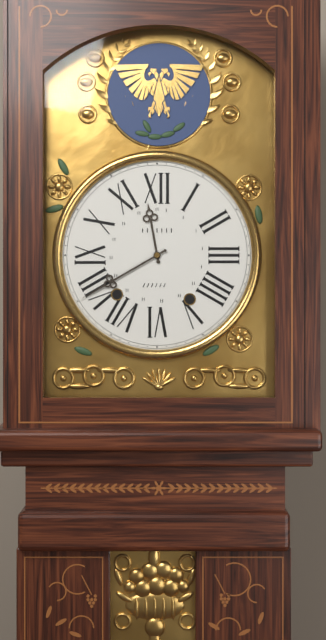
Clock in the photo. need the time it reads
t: 11:40
